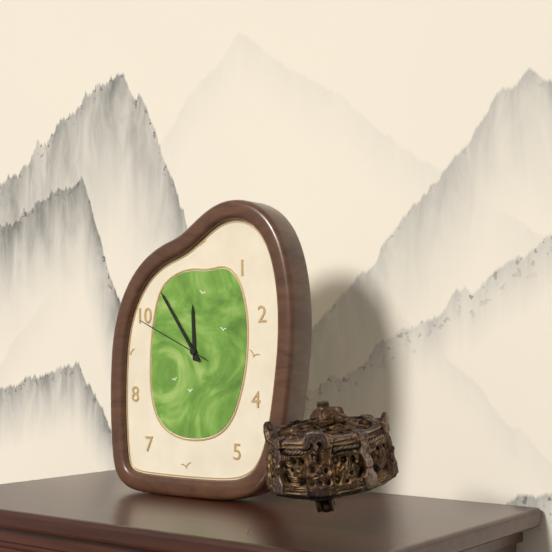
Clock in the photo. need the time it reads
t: 11:54:49
